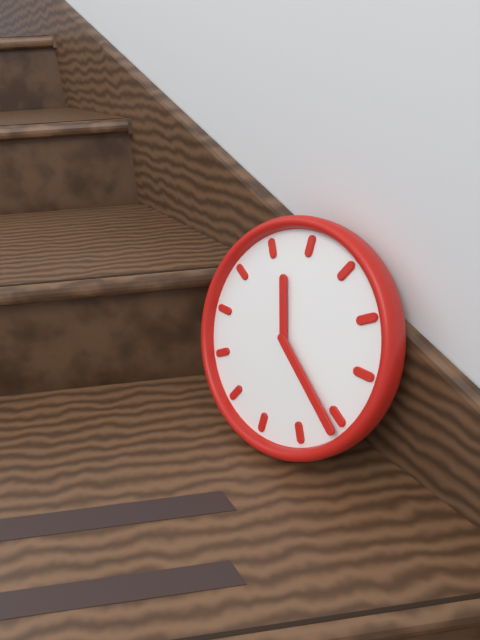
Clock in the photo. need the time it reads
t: 11:21
